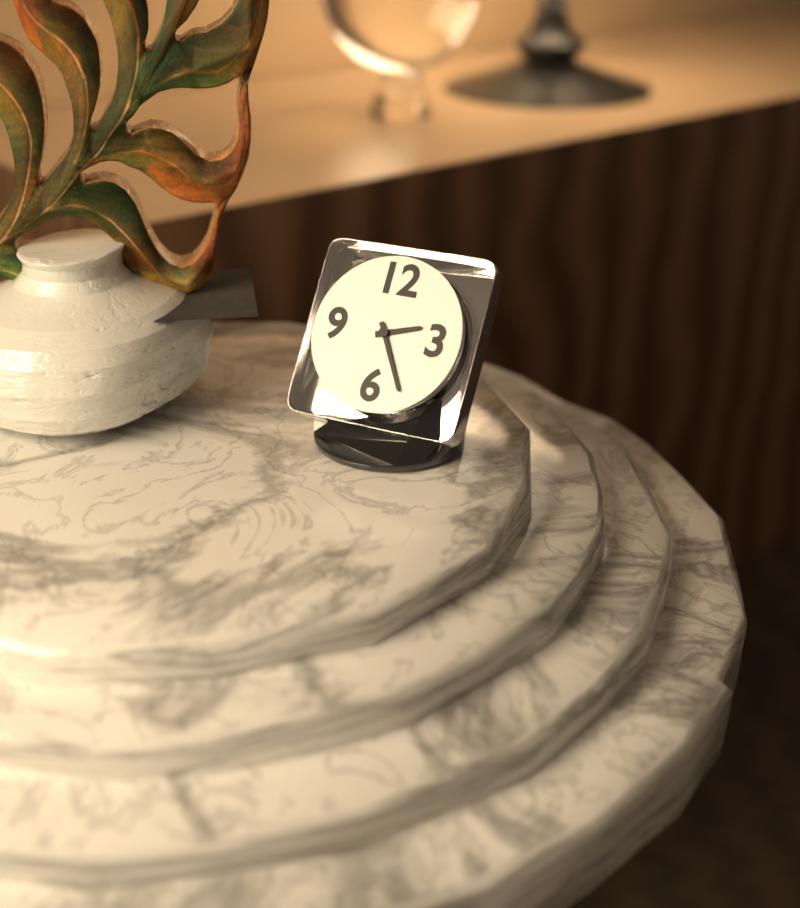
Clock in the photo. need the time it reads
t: 2:25
